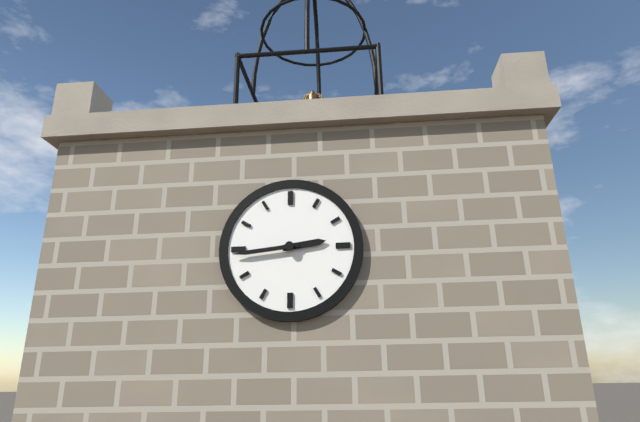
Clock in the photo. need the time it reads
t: 2:44
